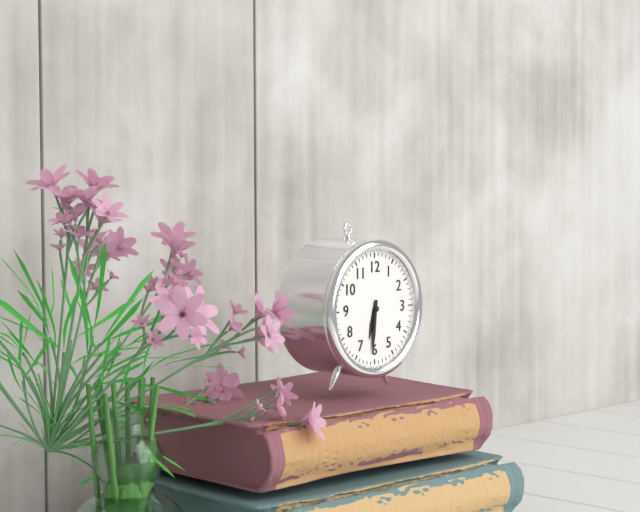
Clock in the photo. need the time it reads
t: 6:31
